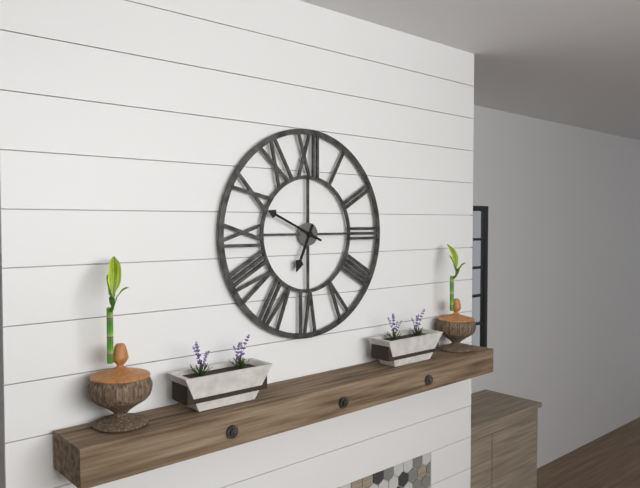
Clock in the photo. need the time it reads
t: 6:49
